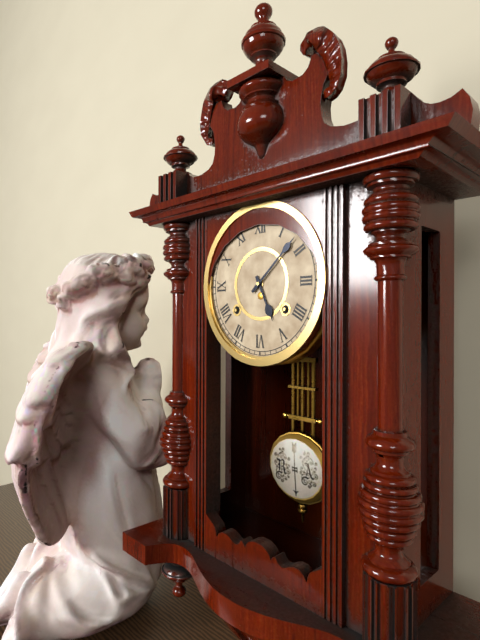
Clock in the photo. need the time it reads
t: 5:08
